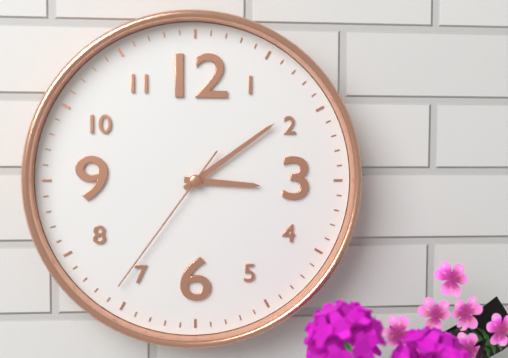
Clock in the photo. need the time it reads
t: 3:09:36
